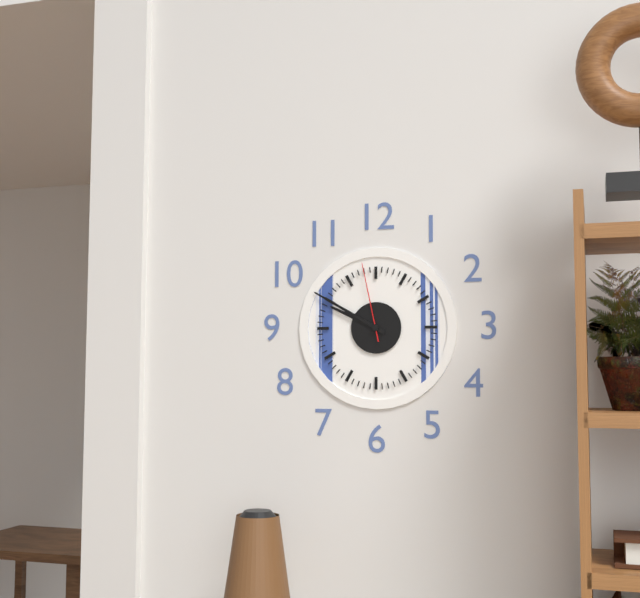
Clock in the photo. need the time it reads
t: 9:50:58
